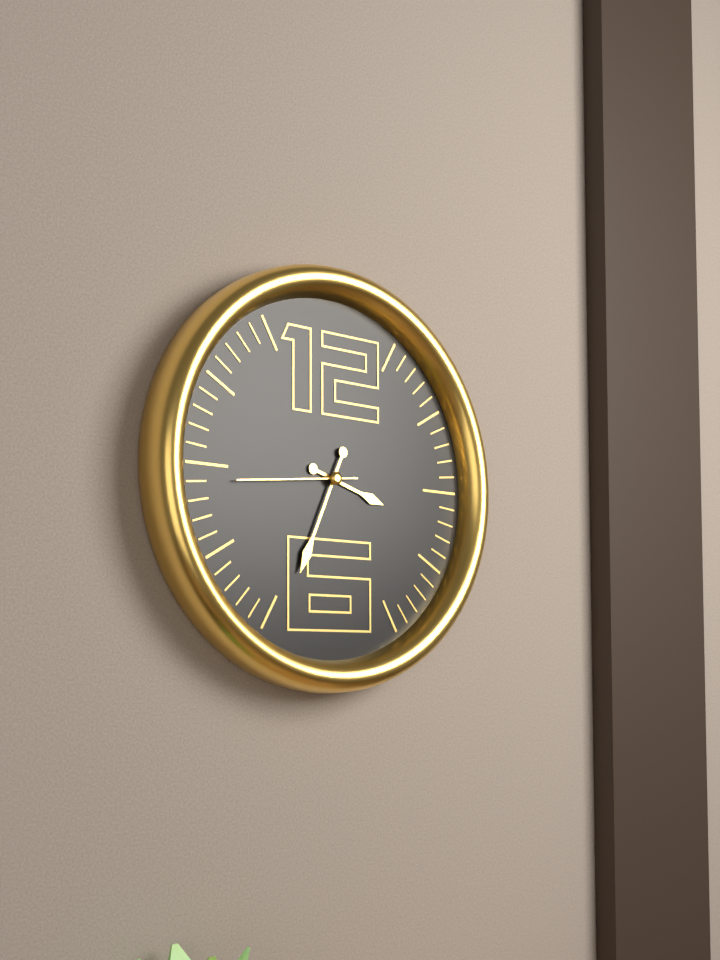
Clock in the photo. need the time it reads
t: 3:34:44
